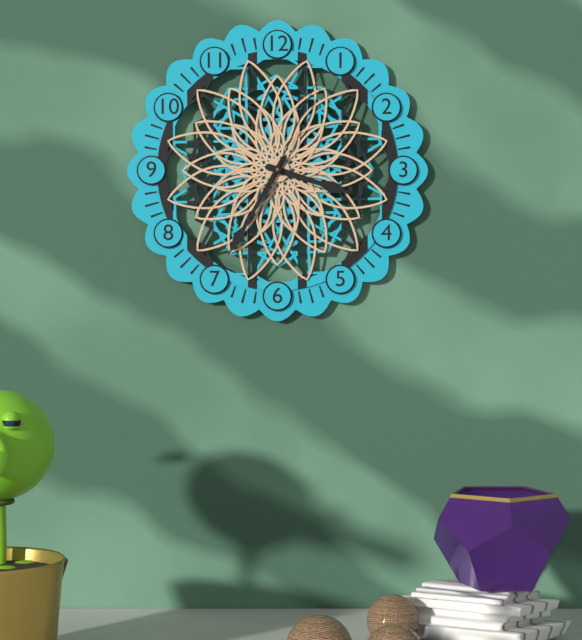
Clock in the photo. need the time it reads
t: 3:35:04
